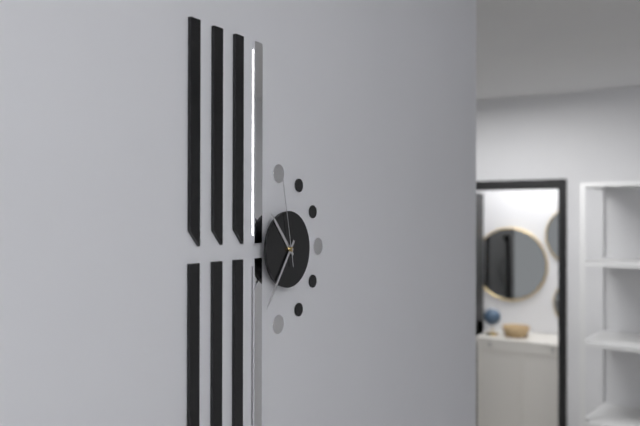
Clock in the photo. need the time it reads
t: 10:36:58
